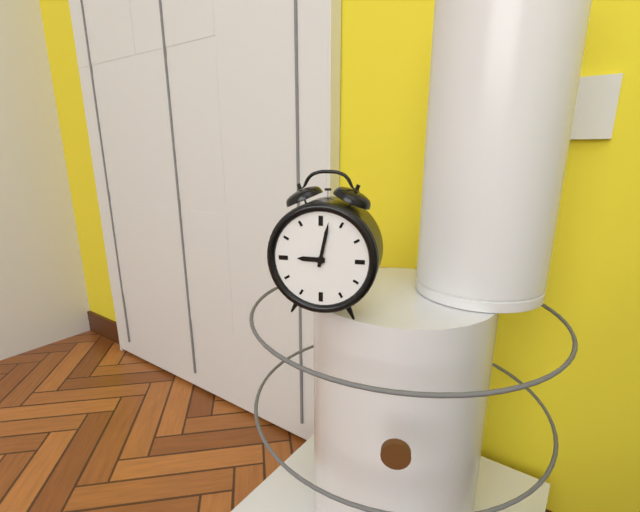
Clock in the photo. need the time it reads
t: 9:02
